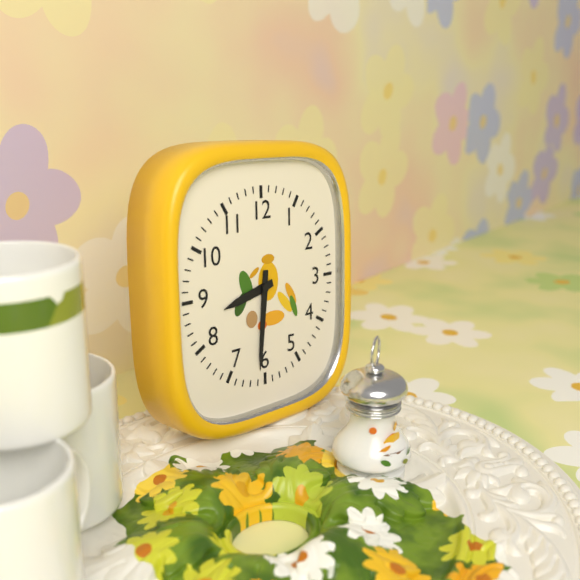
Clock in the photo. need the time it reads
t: 8:31
